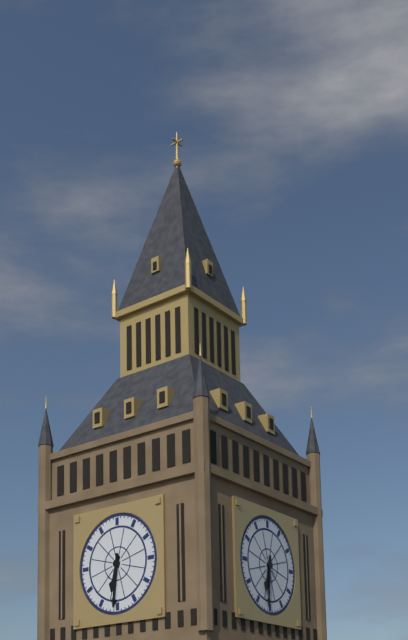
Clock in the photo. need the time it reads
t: 6:31
